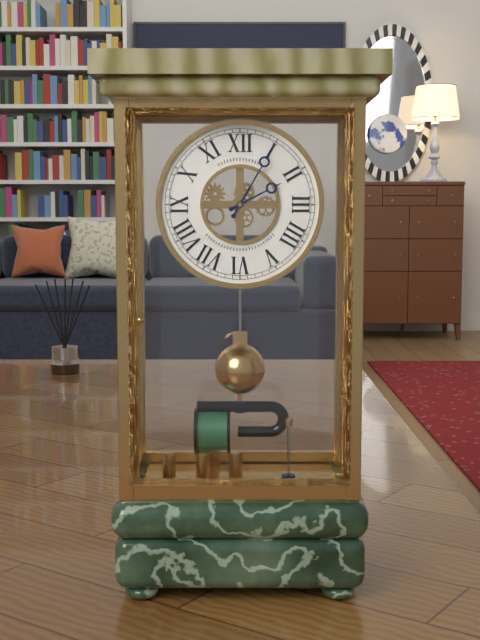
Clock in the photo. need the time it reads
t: 2:05
